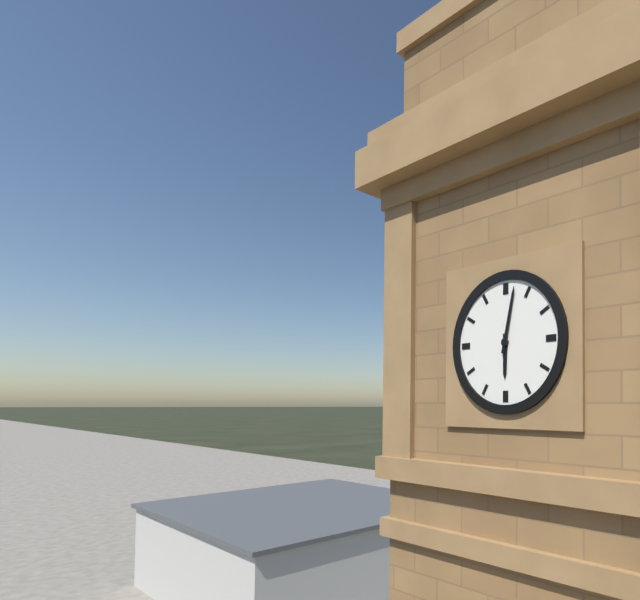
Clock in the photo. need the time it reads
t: 6:02
